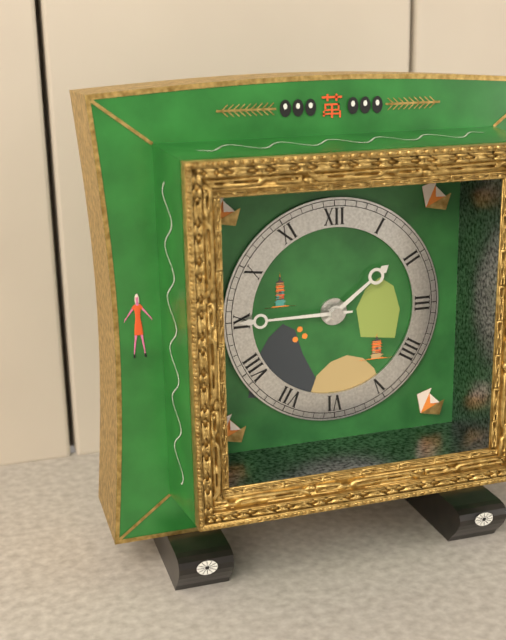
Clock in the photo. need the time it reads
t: 1:45
